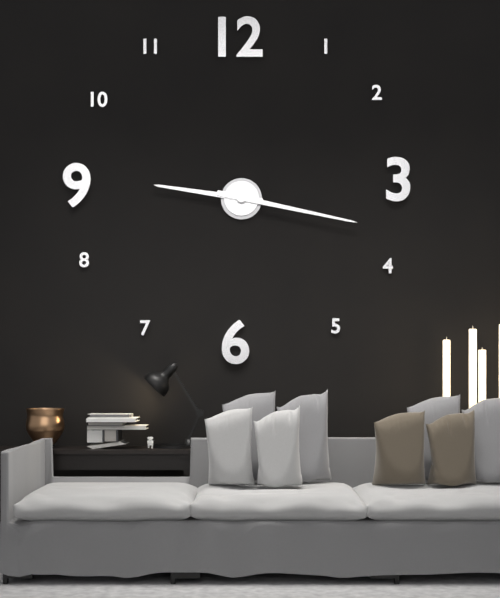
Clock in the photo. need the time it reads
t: 9:17
